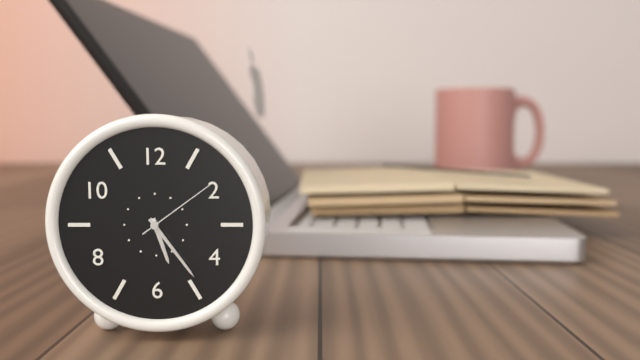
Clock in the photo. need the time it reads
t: 5:24:09
